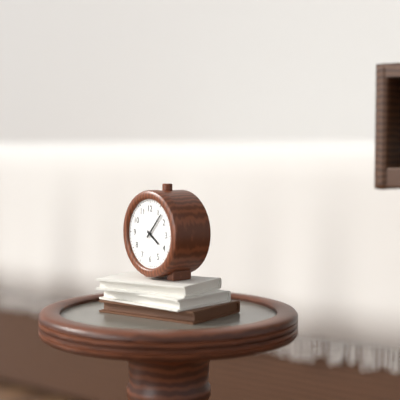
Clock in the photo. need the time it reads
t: 4:07
